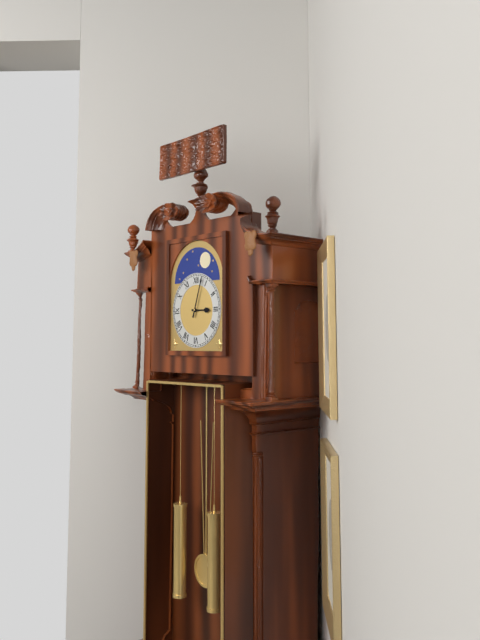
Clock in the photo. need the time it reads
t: 3:03
